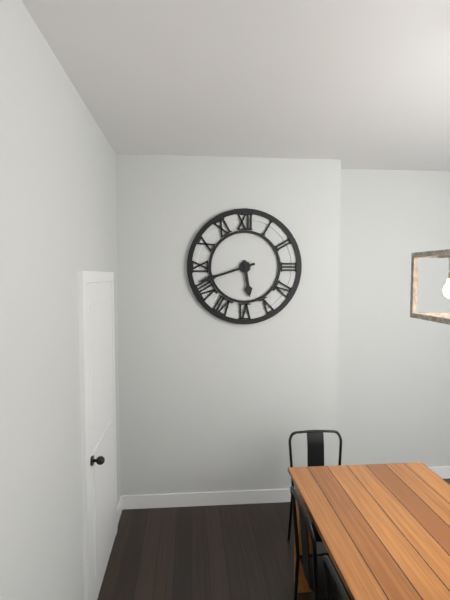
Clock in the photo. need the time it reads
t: 5:42
